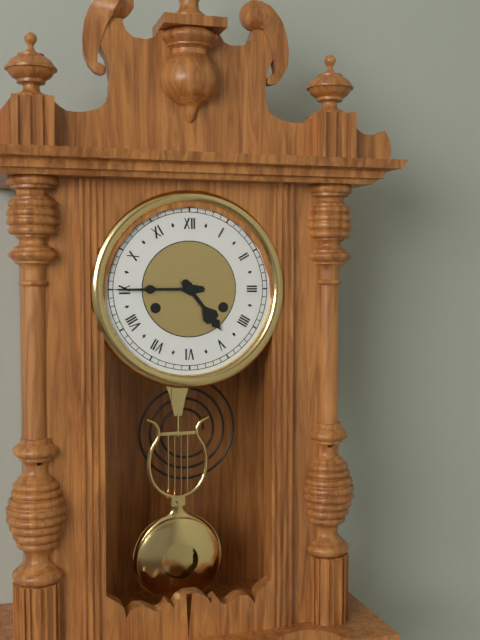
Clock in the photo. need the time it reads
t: 4:45
